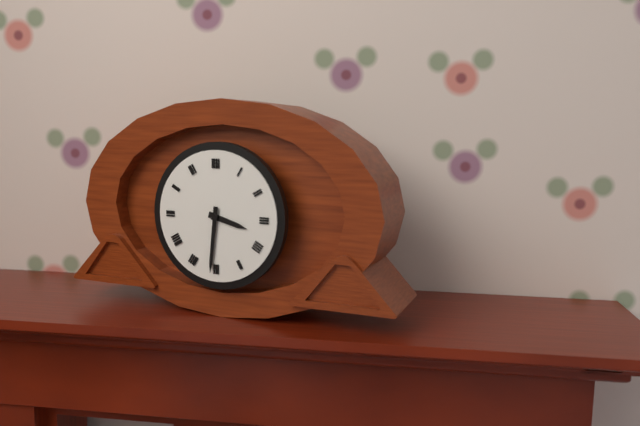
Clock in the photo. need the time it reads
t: 3:31
